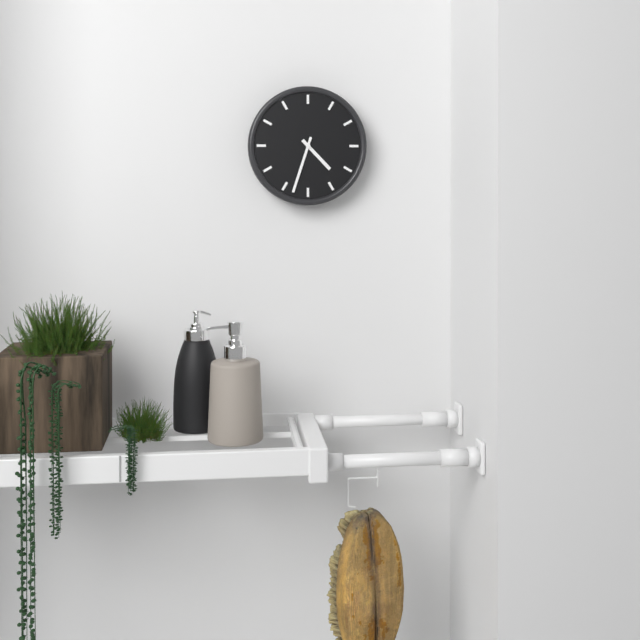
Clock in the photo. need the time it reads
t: 4:33
